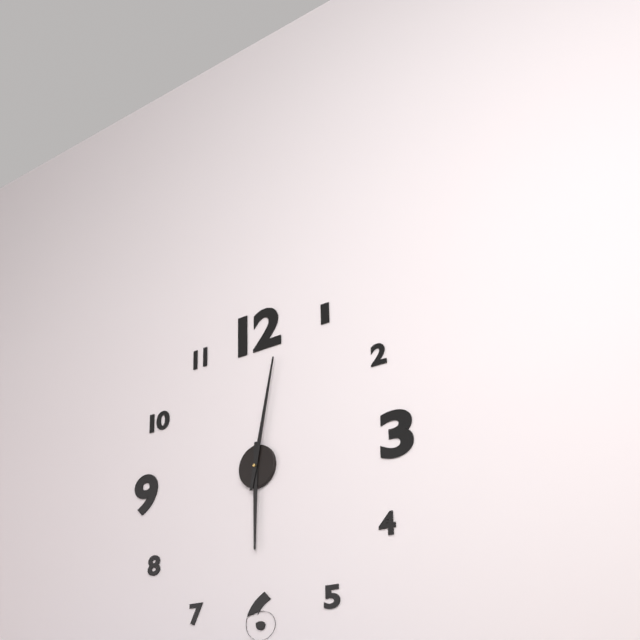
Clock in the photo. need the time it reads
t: 6:02
